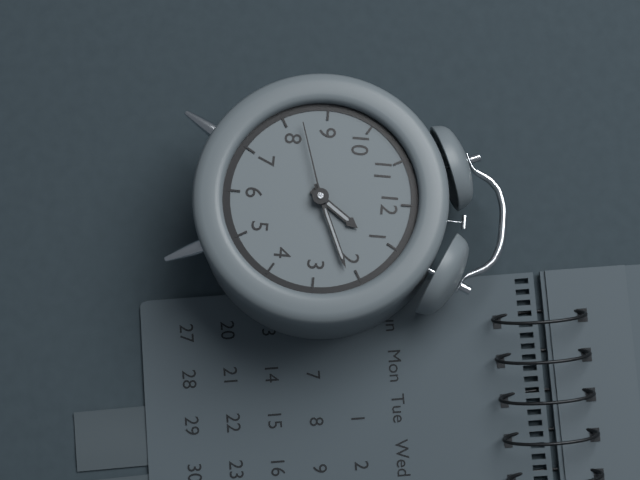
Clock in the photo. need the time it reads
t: 1:11:42
